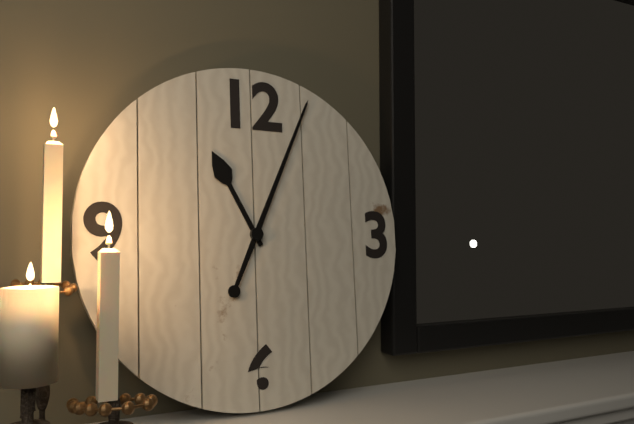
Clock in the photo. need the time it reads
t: 11:04
